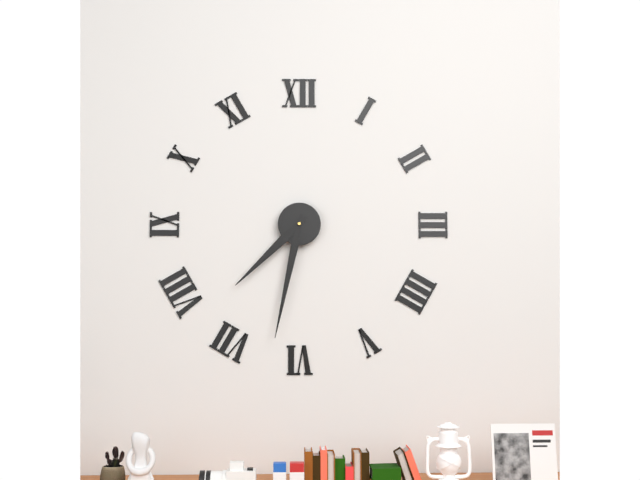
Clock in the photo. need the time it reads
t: 7:32
